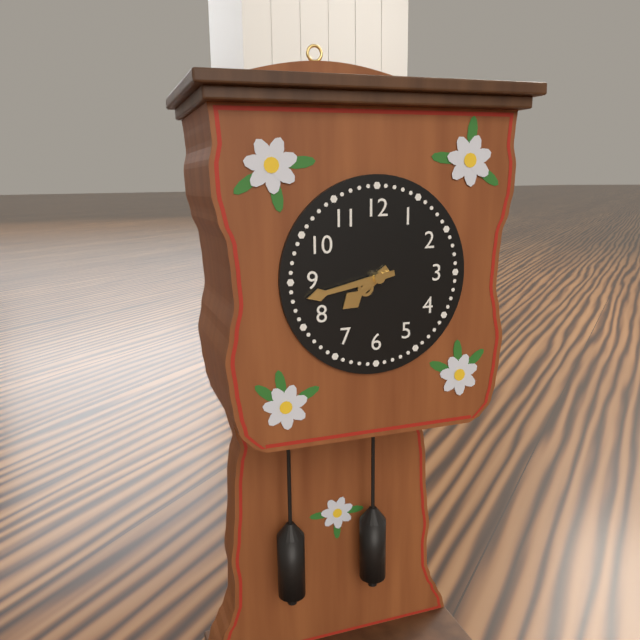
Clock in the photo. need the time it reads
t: 7:43
